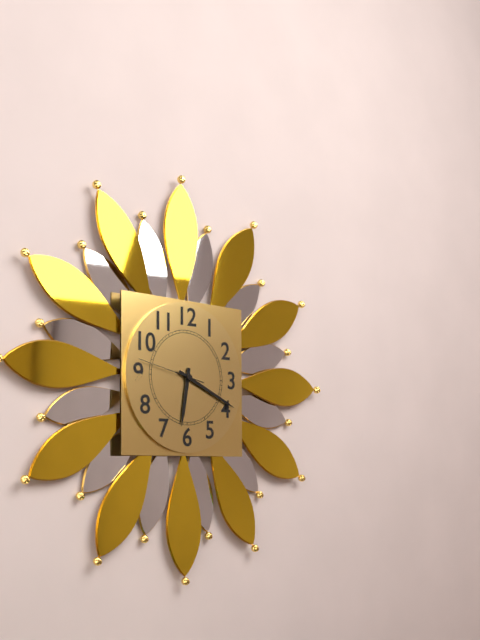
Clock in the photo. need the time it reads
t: 6:19:47
